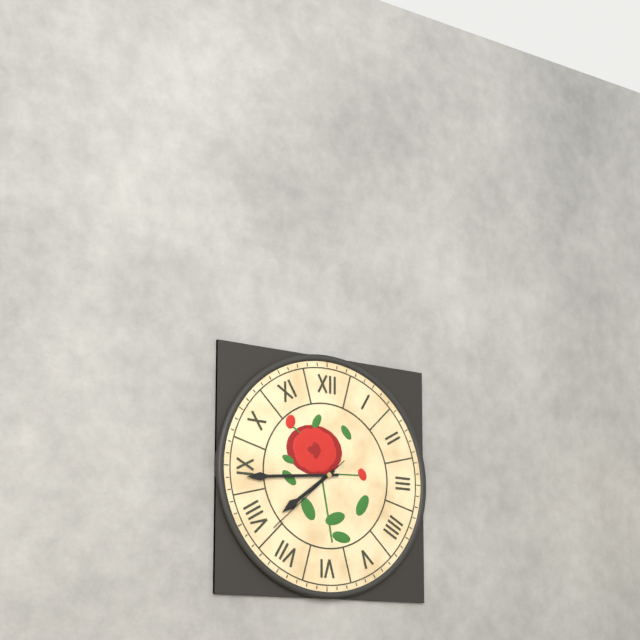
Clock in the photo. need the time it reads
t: 7:44:38
